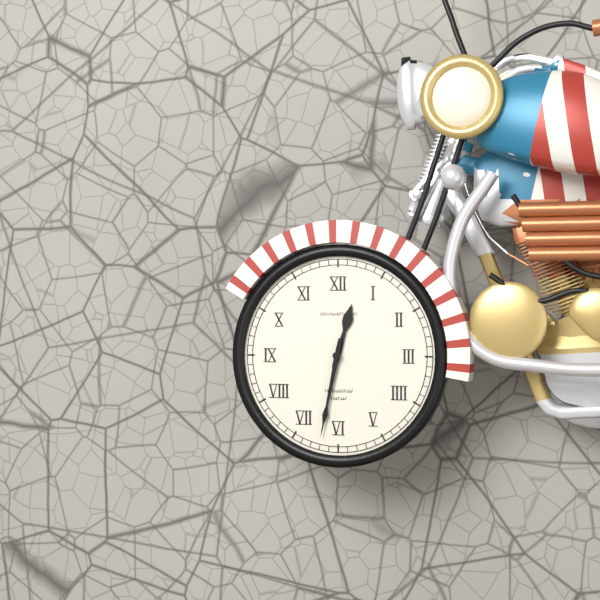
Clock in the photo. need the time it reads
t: 12:32
